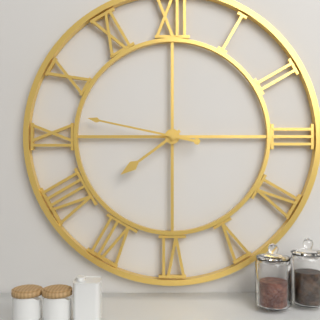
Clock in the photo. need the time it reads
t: 7:47
